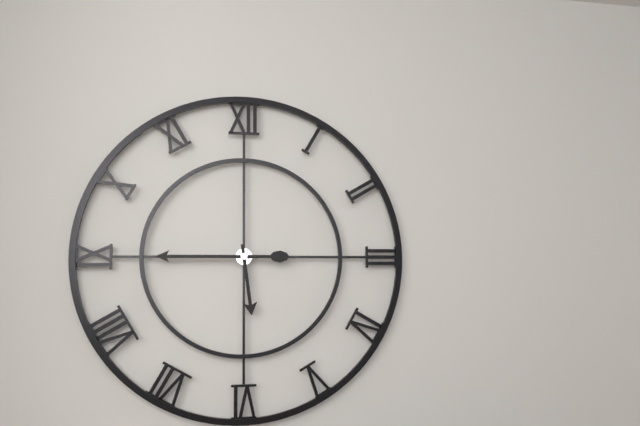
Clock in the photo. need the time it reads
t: 5:45
